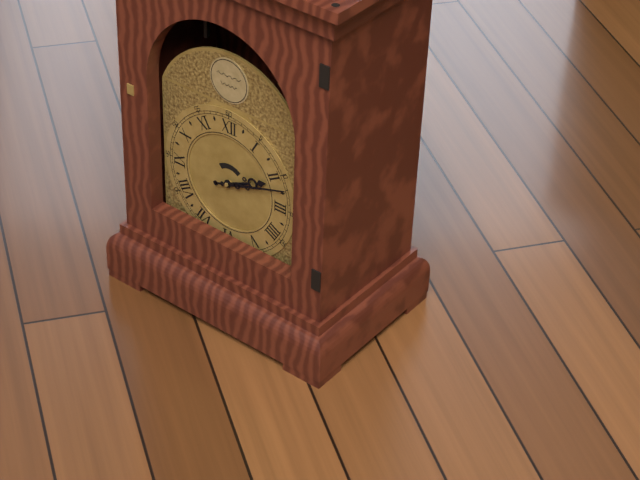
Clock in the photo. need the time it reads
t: 2:12
